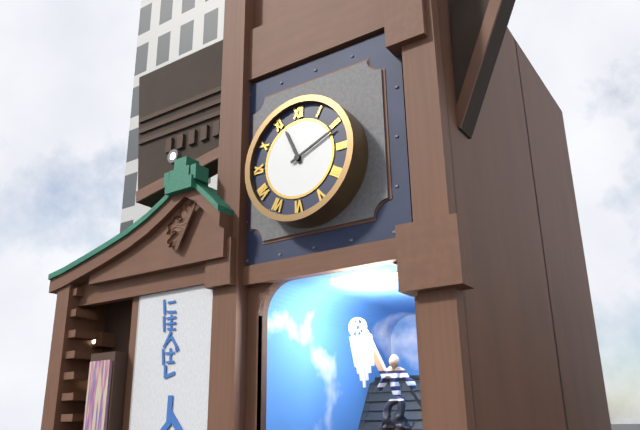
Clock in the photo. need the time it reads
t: 11:11
